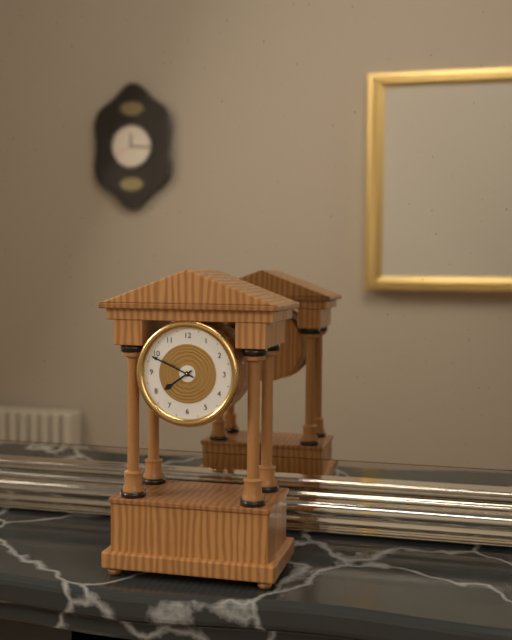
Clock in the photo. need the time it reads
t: 7:49
